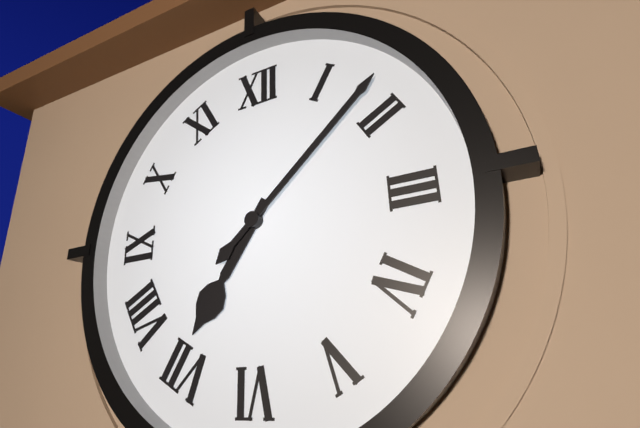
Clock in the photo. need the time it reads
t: 7:08
